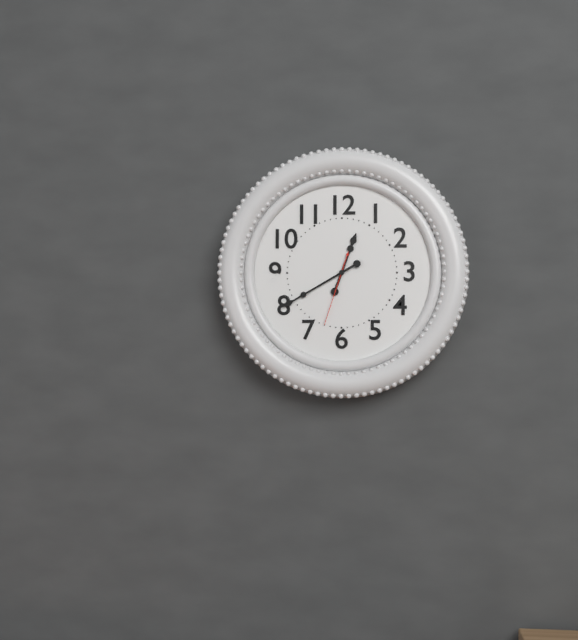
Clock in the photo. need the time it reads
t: 12:40:33
